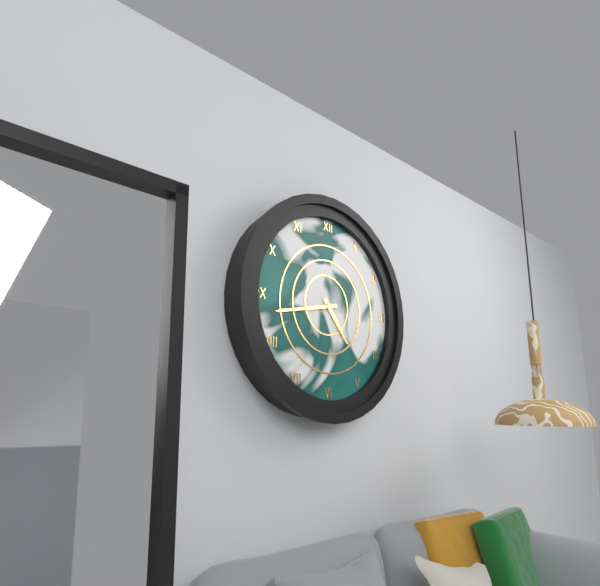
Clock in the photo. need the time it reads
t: 4:43
